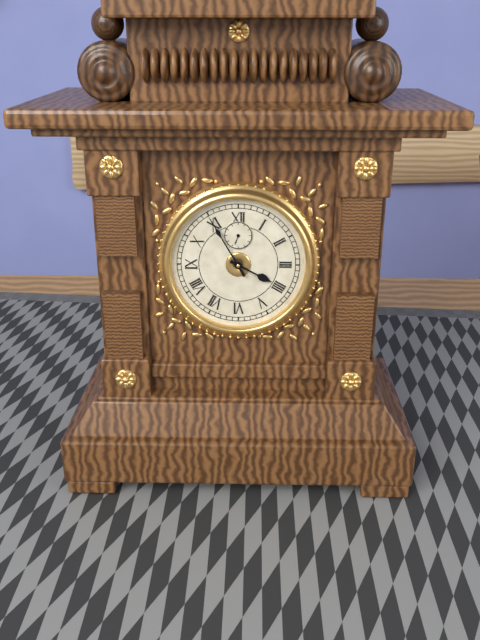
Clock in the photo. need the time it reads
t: 3:55
